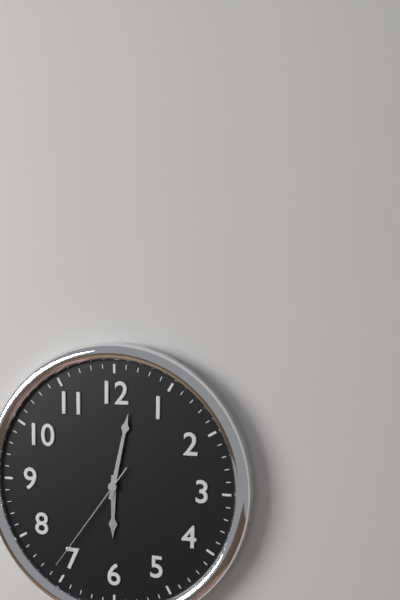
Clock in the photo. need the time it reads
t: 6:02:36
